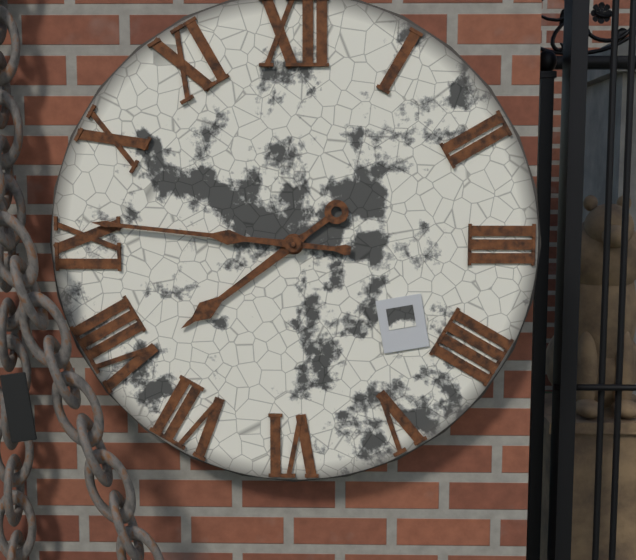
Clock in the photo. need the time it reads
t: 7:46
